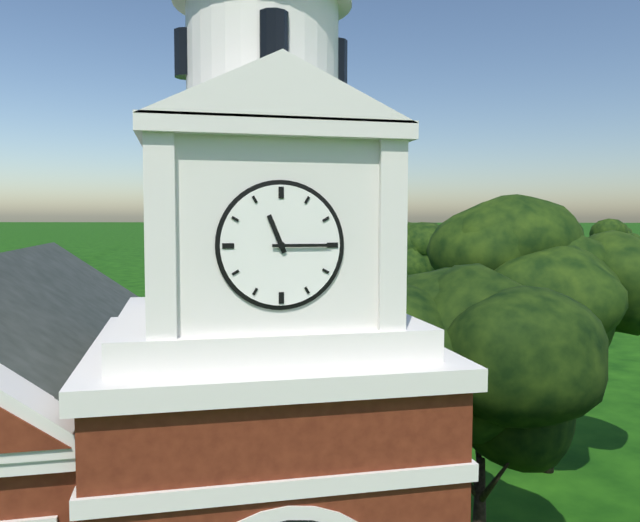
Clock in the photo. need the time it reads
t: 11:15
